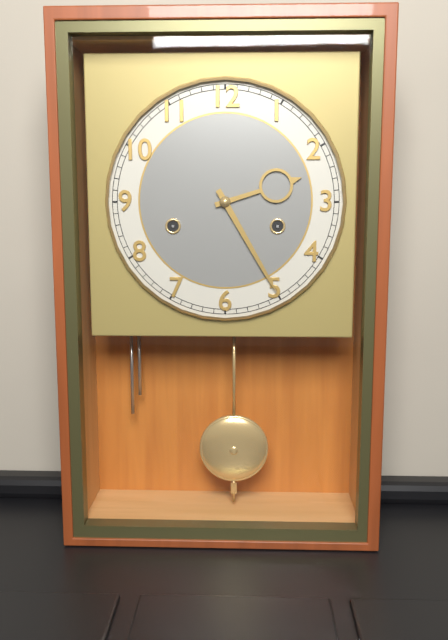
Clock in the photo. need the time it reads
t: 2:25
